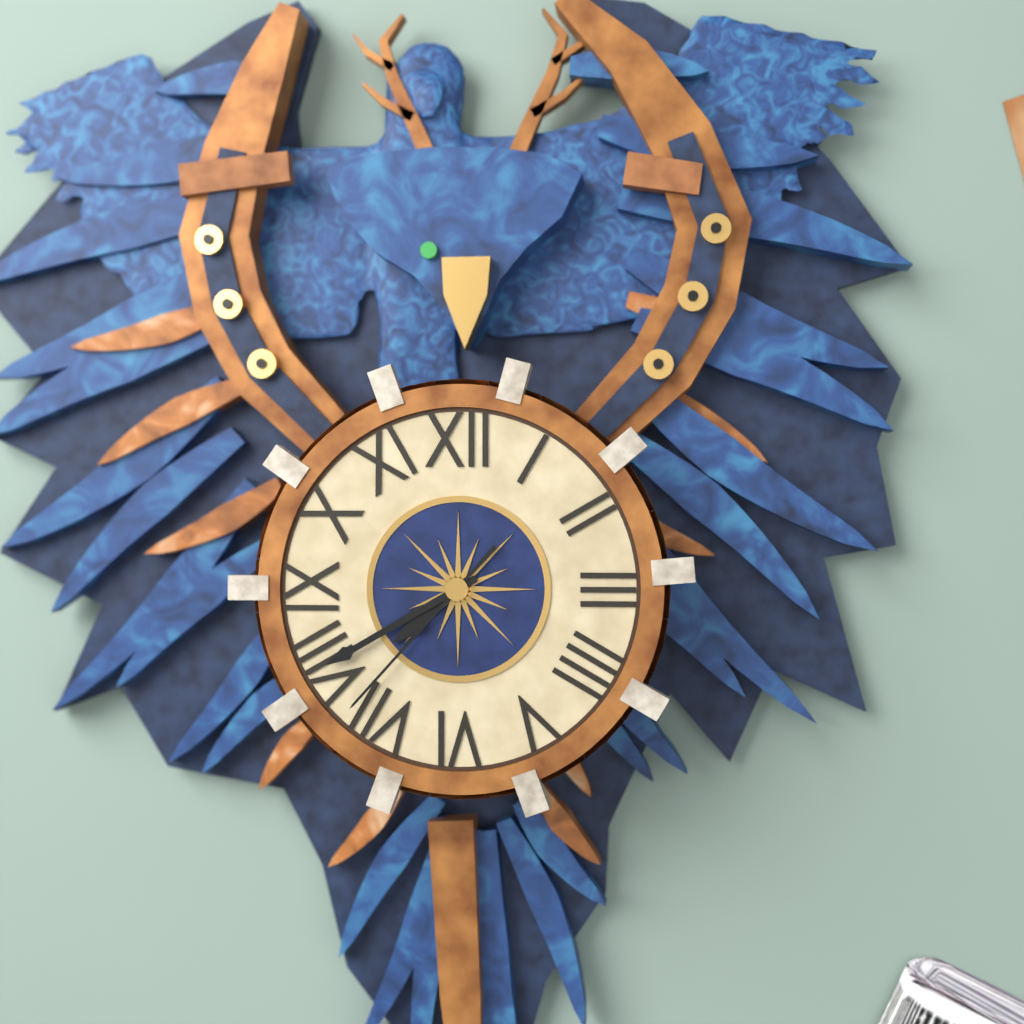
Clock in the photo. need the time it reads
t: 7:40:37
